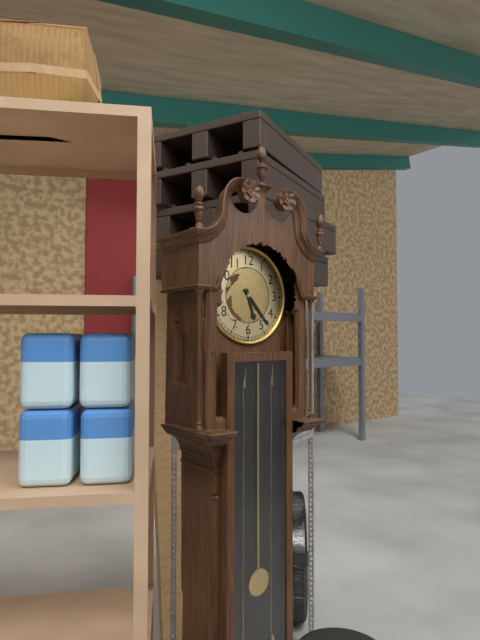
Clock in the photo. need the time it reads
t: 5:23
